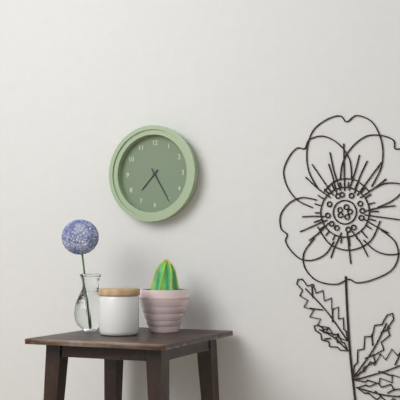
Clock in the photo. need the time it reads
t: 7:25
